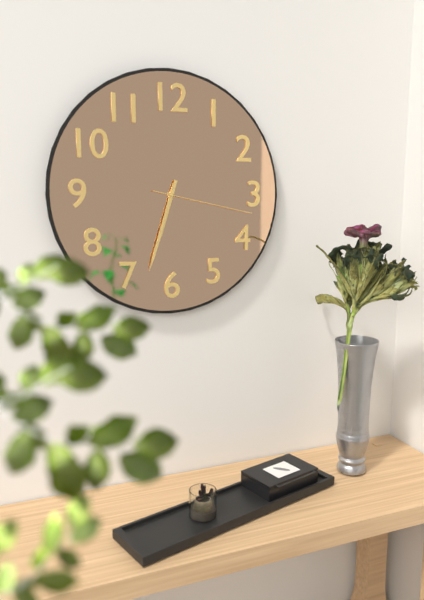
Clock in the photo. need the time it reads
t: 6:33:17
